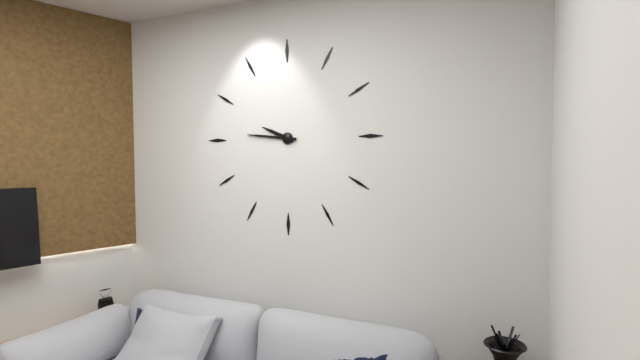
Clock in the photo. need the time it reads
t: 9:46
